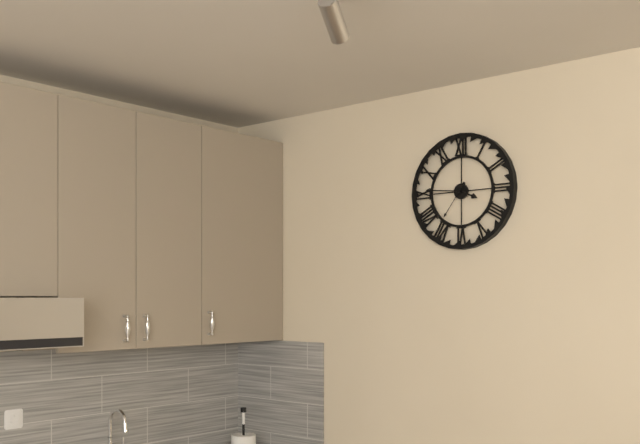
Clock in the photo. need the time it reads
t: 3:46
